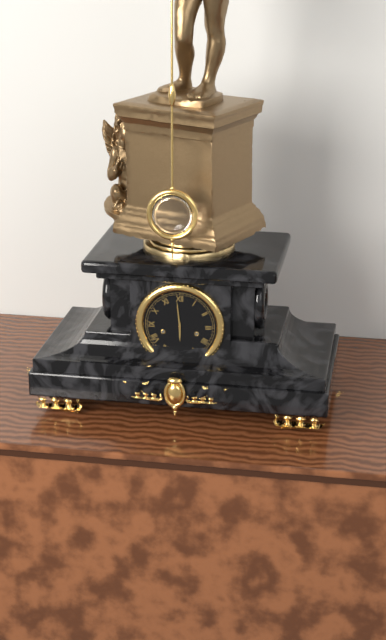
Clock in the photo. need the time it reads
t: 5:59
